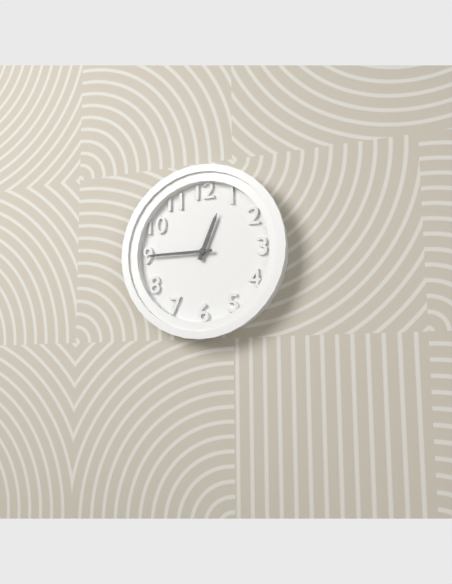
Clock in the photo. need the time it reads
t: 12:45
